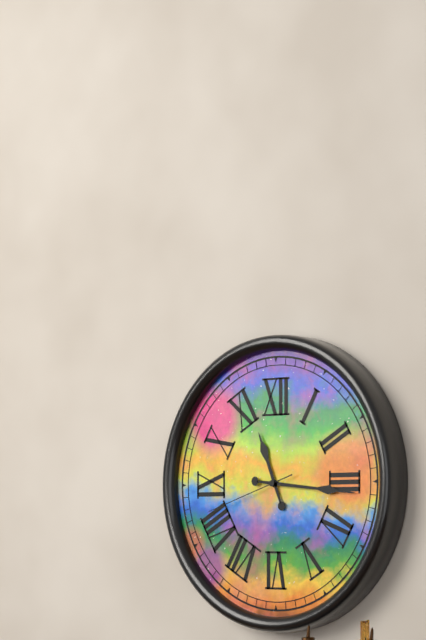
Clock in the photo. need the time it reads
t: 11:16:42
